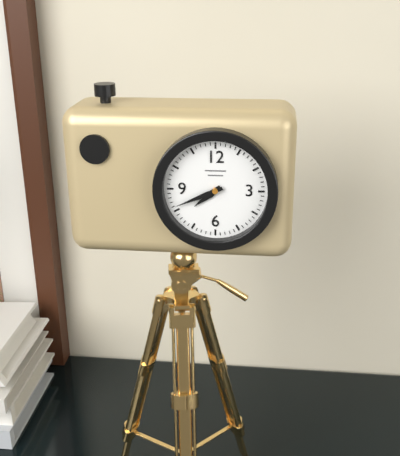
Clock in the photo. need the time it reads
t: 7:41
